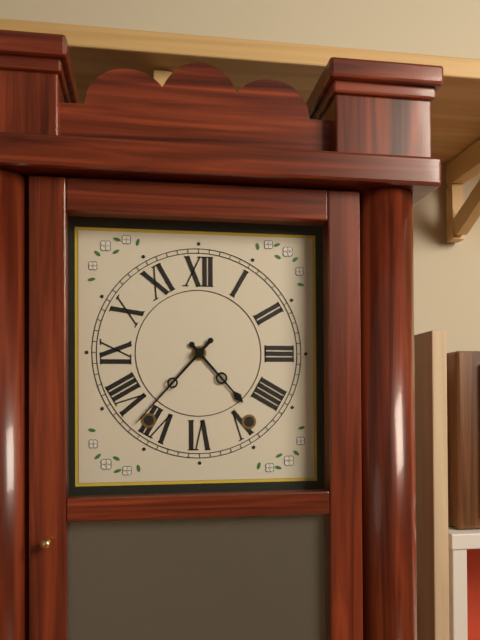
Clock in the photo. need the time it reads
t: 4:37
